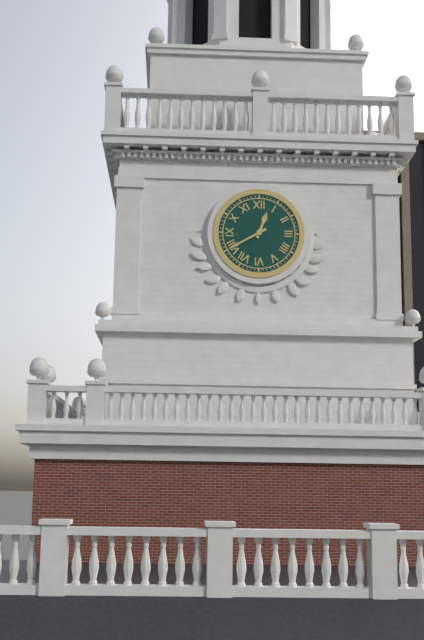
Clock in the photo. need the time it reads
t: 12:40
